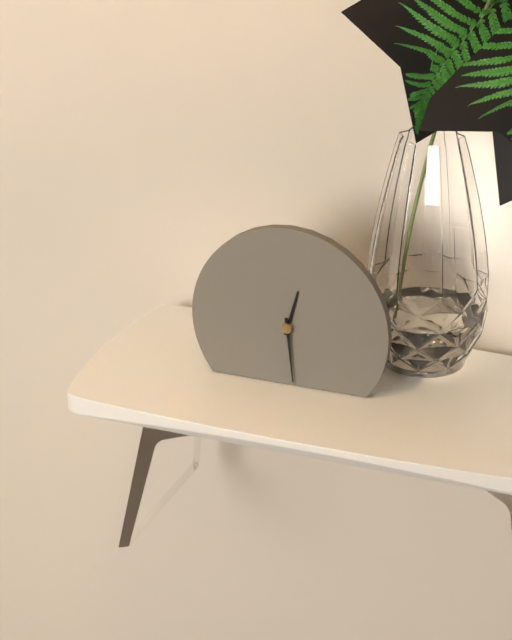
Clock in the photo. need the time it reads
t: 12:29
